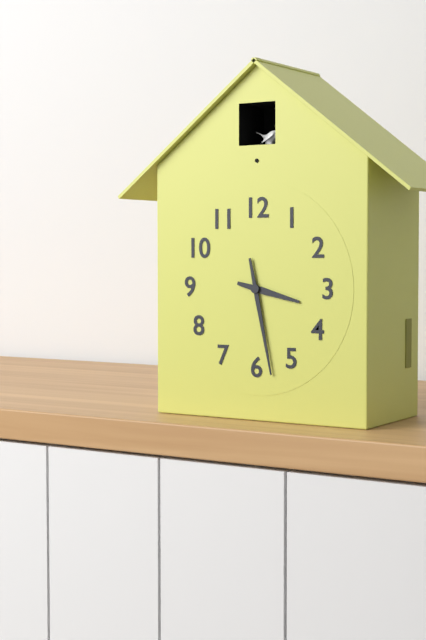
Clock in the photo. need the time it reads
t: 3:28
